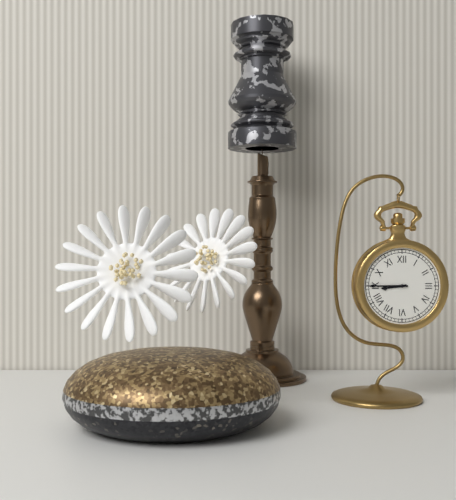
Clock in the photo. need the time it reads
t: 8:45
